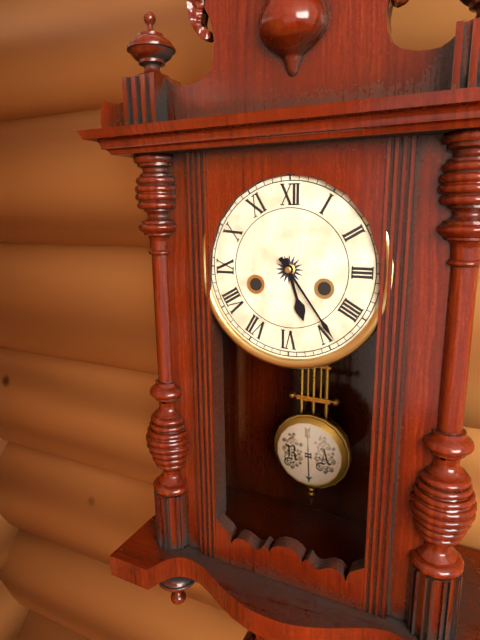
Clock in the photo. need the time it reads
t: 5:24
